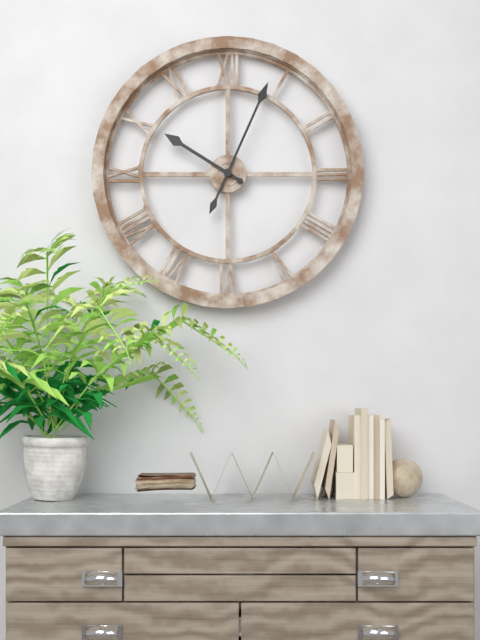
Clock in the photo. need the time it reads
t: 10:04
